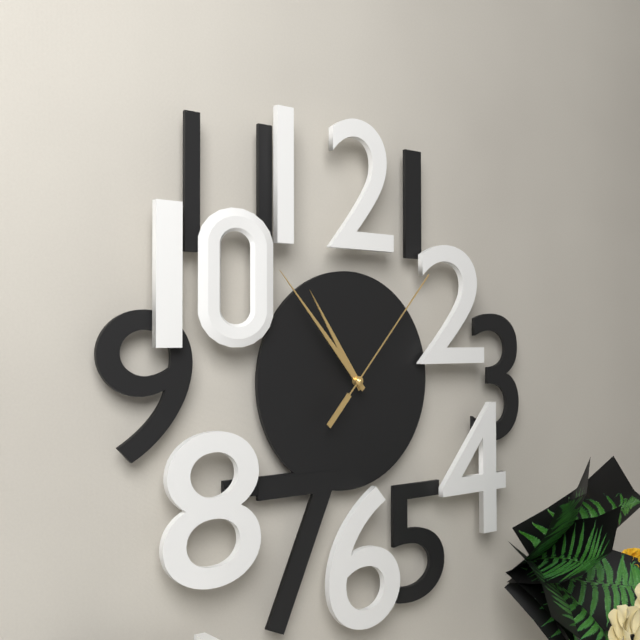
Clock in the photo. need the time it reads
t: 10:53:07
